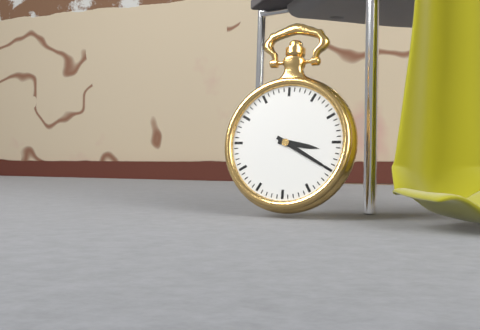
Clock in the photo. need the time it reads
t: 3:20
